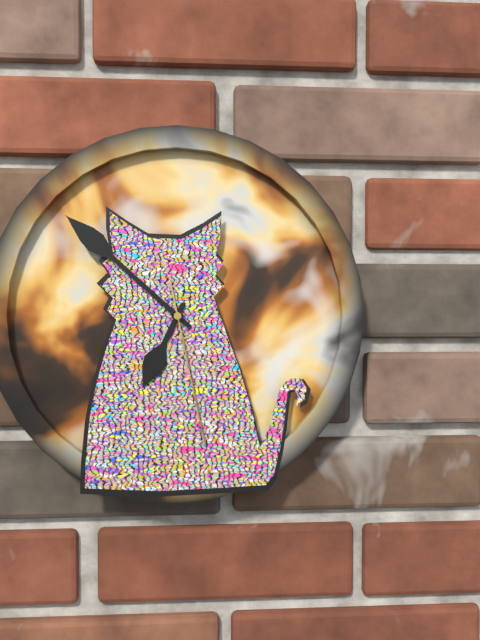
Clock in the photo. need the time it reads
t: 6:52:28
